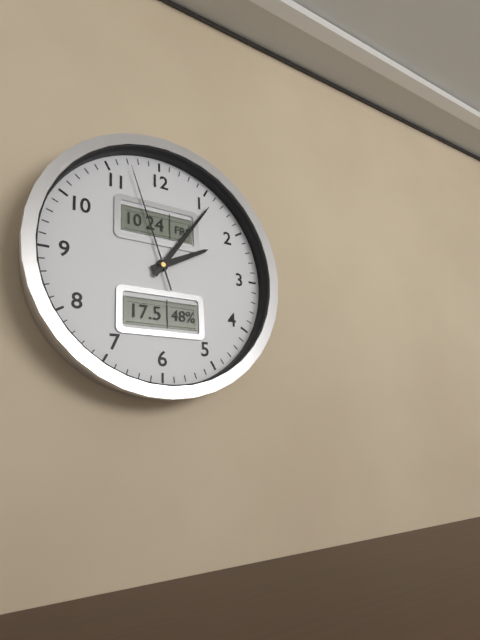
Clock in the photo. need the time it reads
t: 2:06:57
